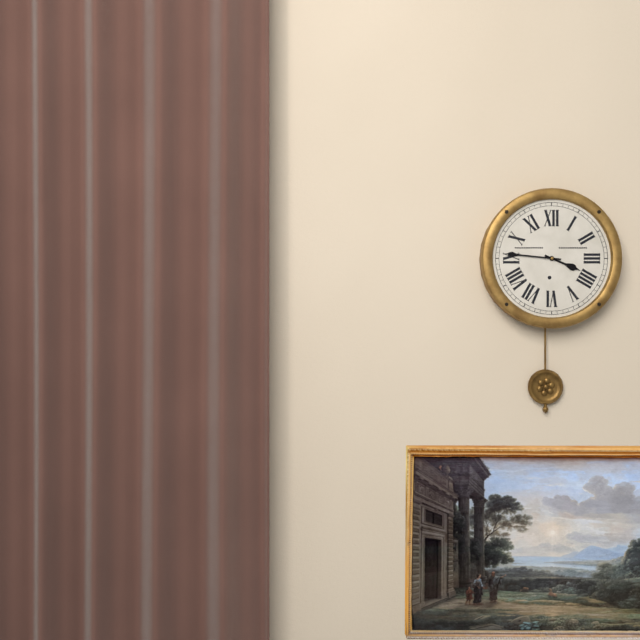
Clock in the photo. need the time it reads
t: 3:46
